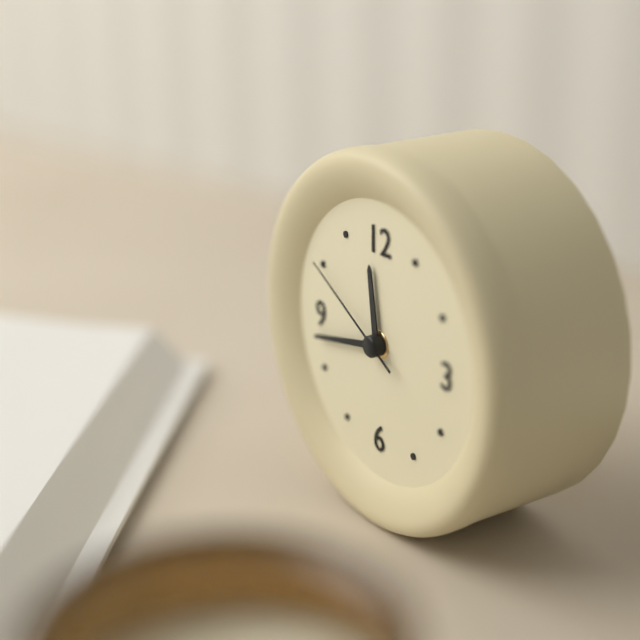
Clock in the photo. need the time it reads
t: 11:43:50
